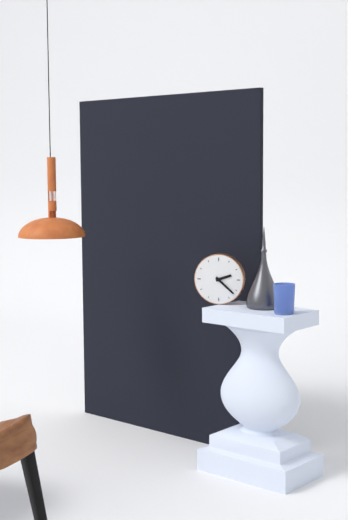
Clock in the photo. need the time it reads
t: 2:22
